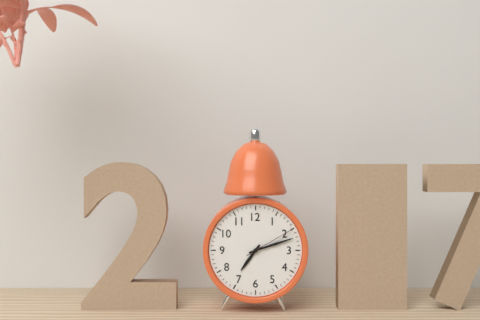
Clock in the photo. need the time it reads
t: 7:12:10
